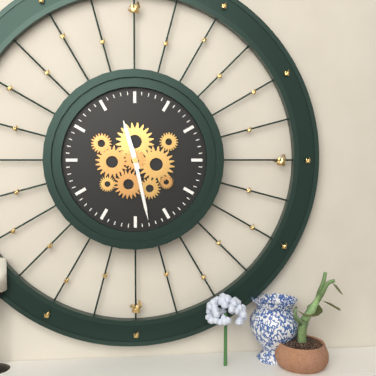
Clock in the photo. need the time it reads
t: 11:28
